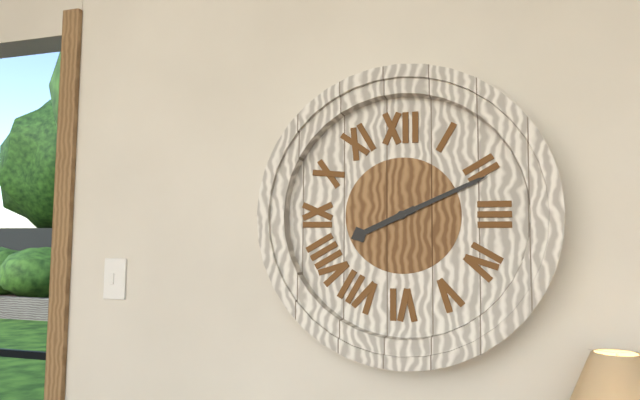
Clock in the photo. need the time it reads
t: 8:11
